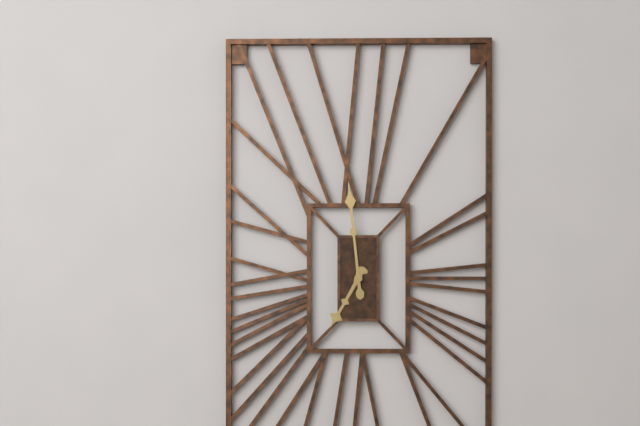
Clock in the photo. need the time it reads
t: 6:59
